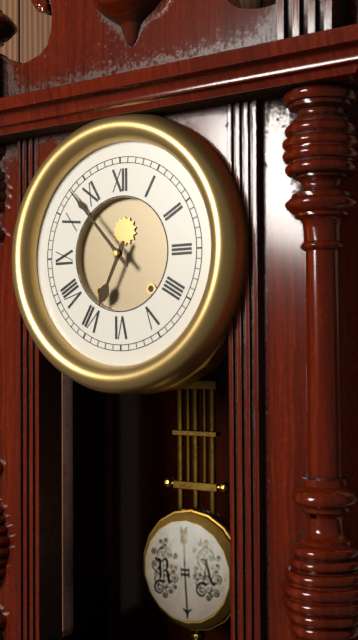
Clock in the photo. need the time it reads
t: 6:53
